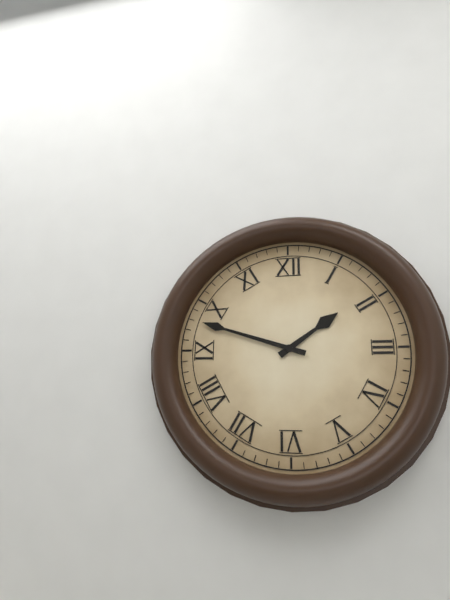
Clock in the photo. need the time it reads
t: 1:48
